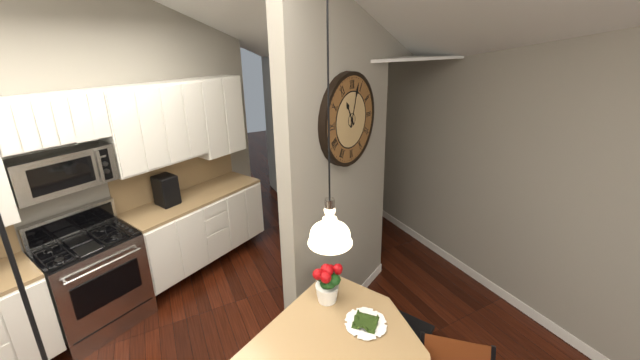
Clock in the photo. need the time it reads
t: 11:03
